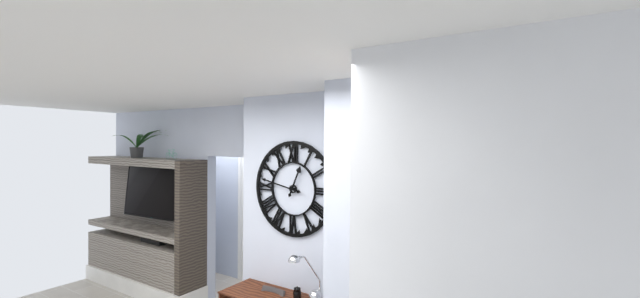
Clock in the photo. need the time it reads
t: 12:47
